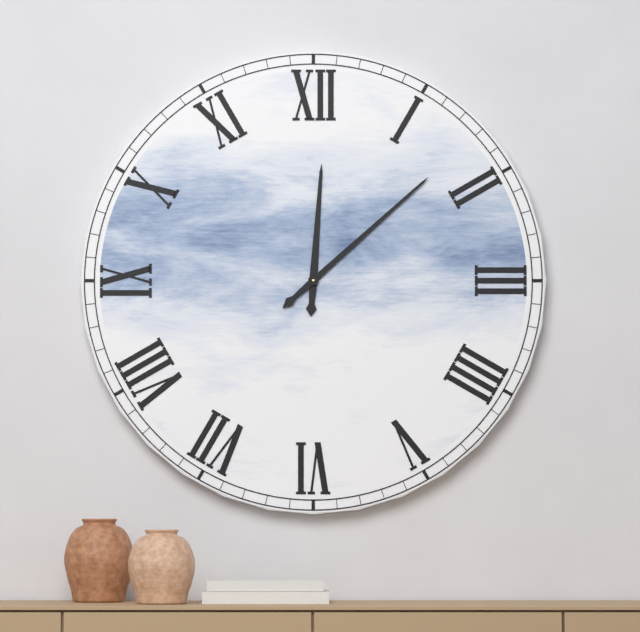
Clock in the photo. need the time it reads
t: 12:08
